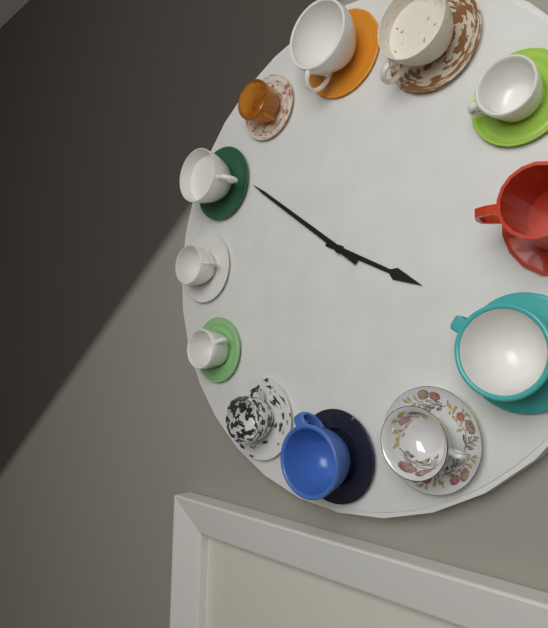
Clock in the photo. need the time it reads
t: 3:51
